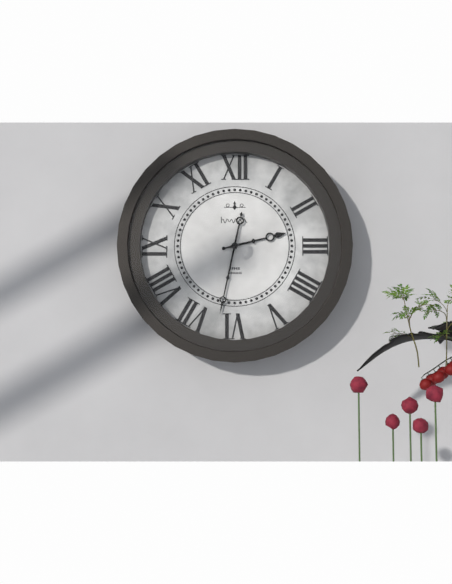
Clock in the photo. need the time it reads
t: 2:32
